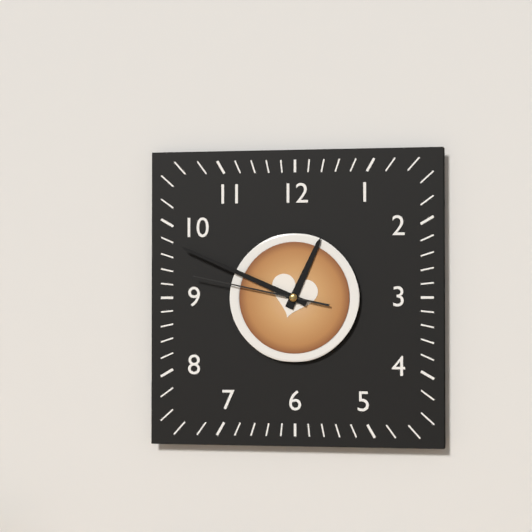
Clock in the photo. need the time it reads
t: 12:49:47
